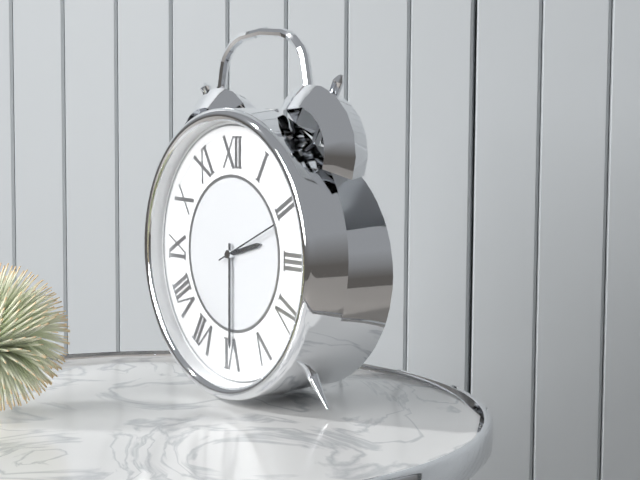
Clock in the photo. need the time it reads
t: 2:30:11
